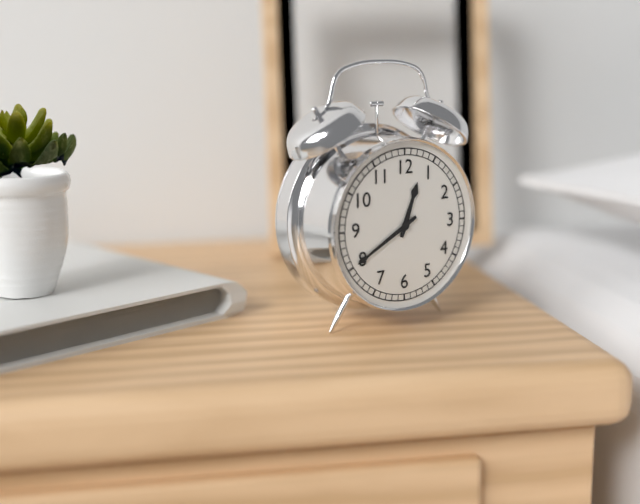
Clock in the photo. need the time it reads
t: 12:40
